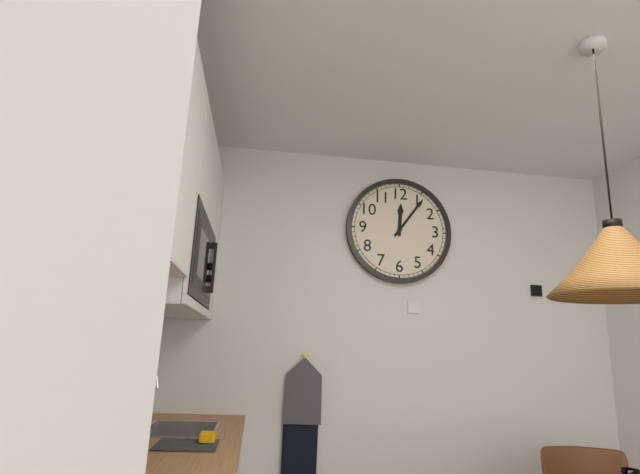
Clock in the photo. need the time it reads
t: 12:06
